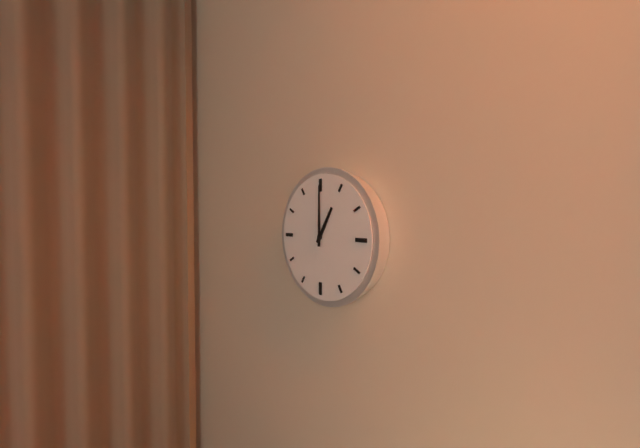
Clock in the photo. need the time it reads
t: 1:00
